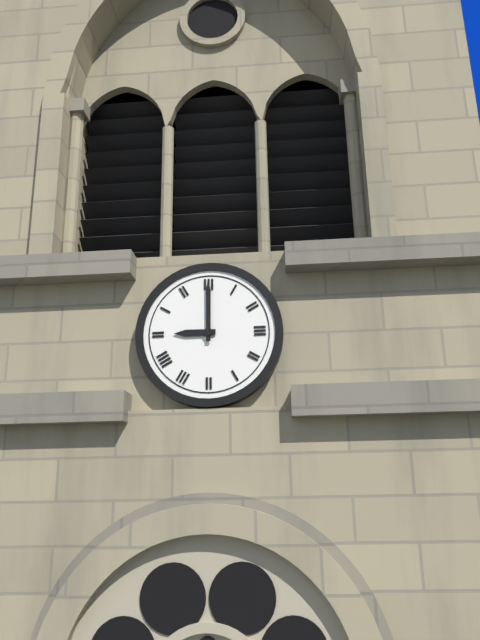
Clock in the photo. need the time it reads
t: 9:00
